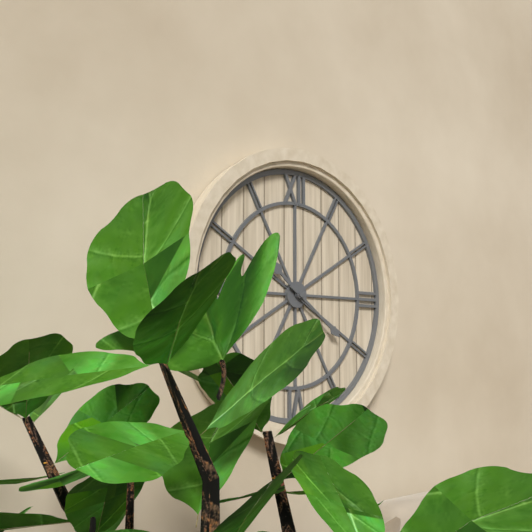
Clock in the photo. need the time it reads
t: 10:21
